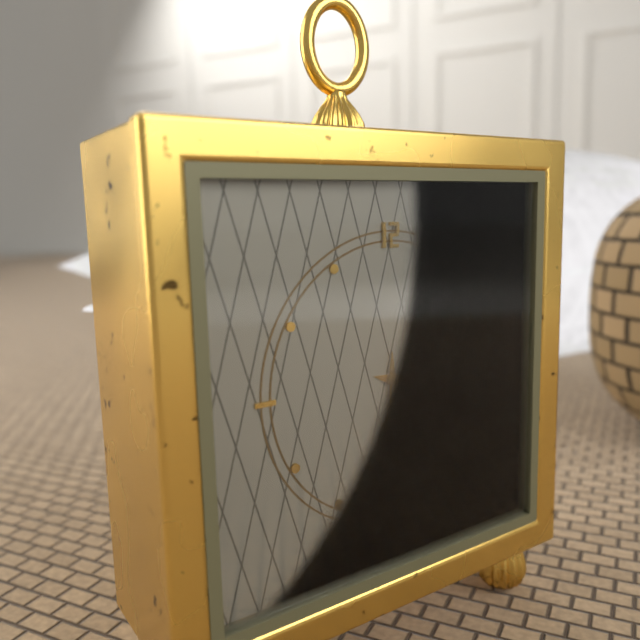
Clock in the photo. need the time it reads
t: 3:30
